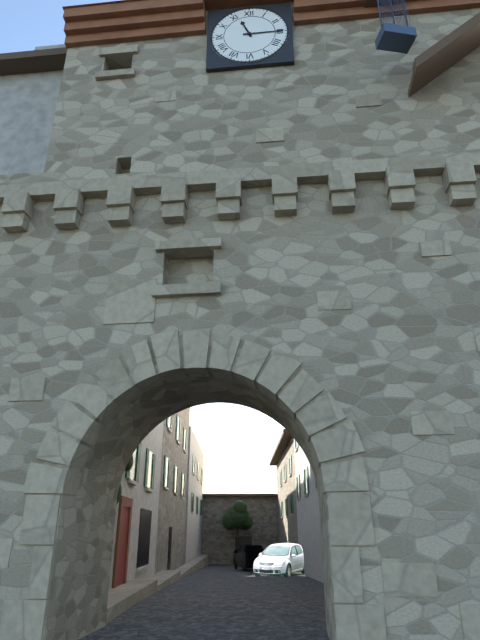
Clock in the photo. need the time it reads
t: 11:15
